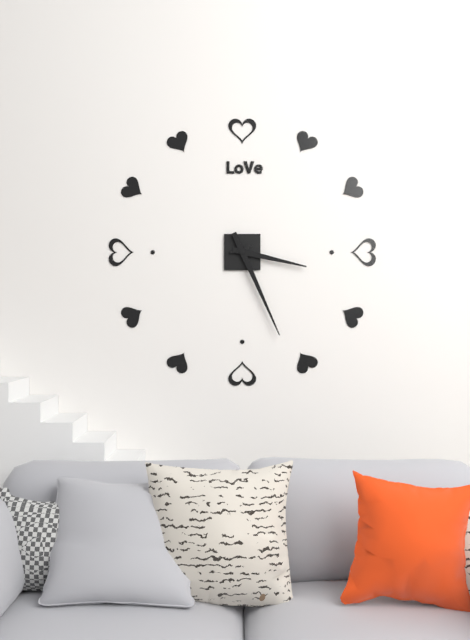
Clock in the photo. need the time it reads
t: 3:26
